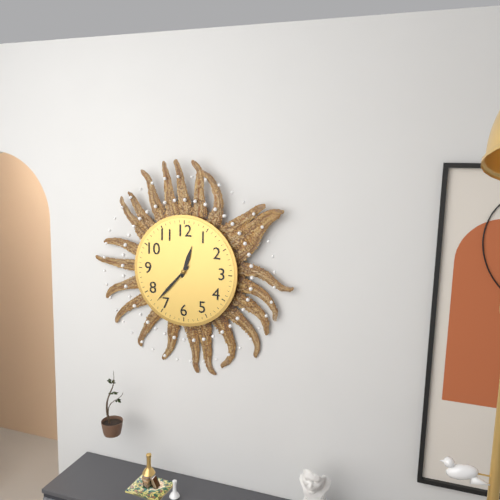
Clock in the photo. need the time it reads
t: 12:37
